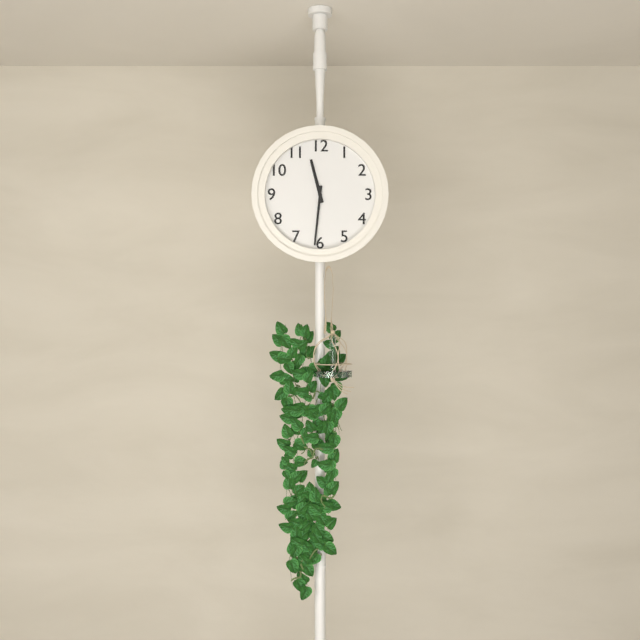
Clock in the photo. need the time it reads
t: 11:31
